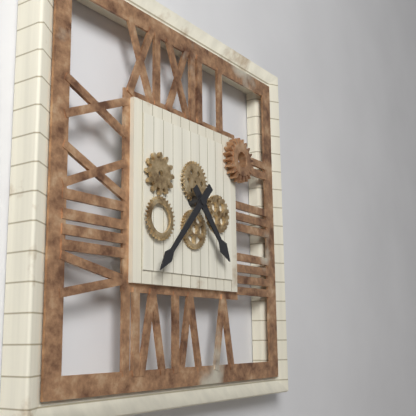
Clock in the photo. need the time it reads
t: 4:37
